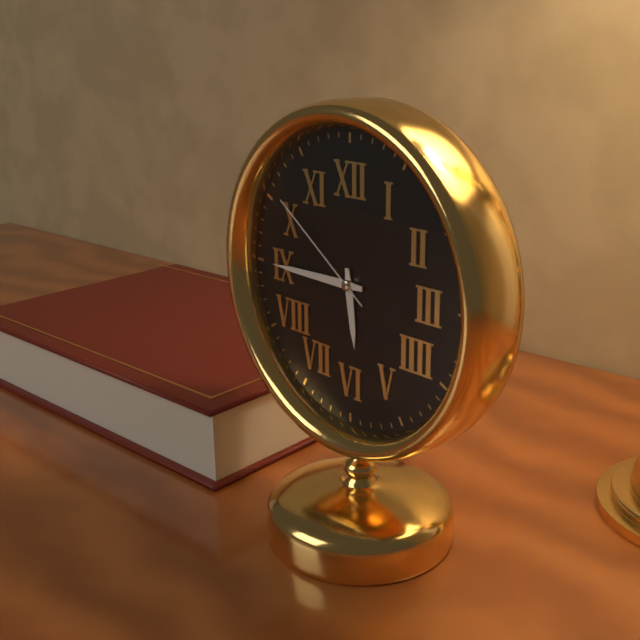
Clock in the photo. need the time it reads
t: 5:45:51
